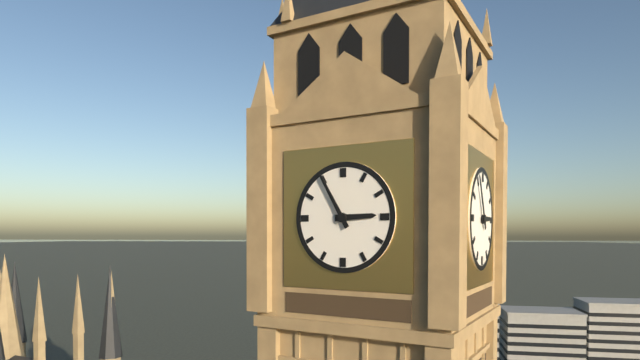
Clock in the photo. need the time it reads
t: 2:55
